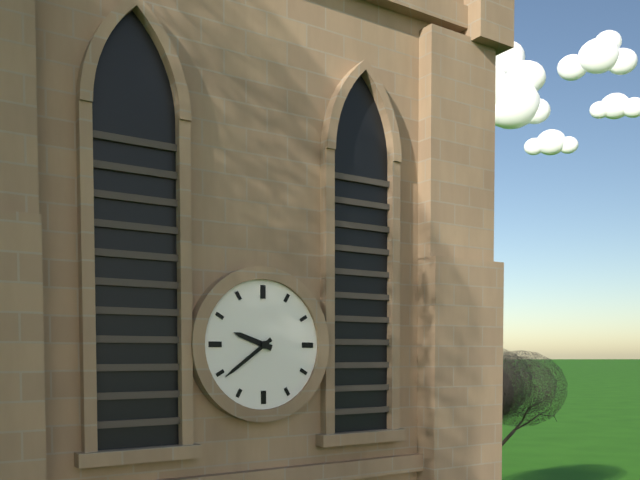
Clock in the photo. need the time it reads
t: 9:39
